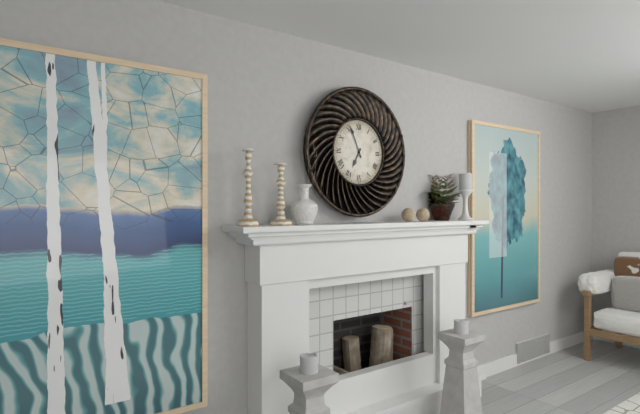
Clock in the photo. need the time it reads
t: 6:56
